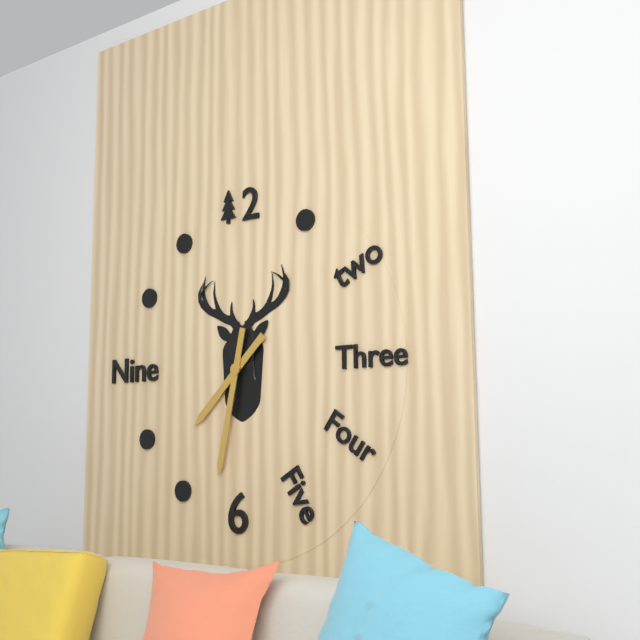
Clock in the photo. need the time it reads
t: 7:32
